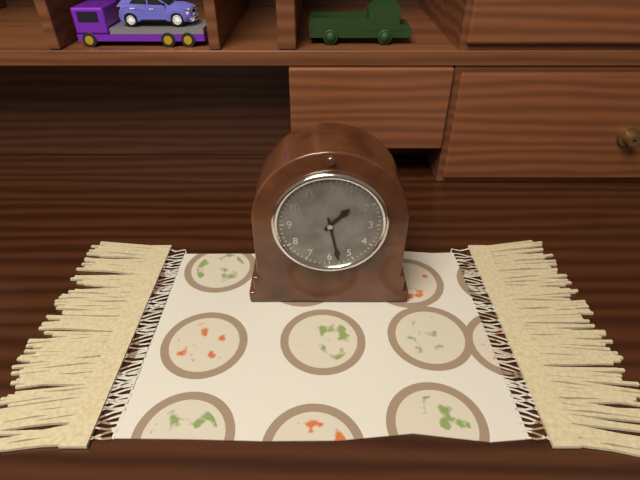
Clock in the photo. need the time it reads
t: 1:28
